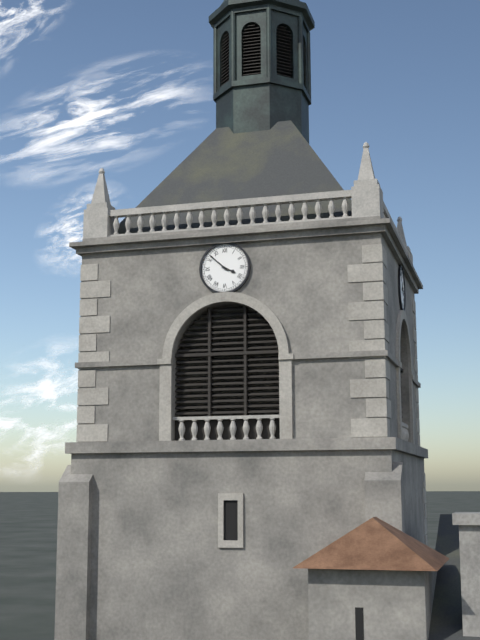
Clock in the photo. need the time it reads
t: 3:52
